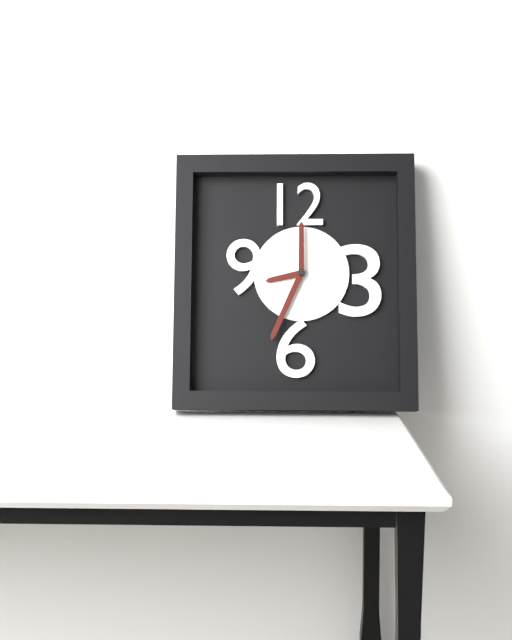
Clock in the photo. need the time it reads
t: 8:34:00
